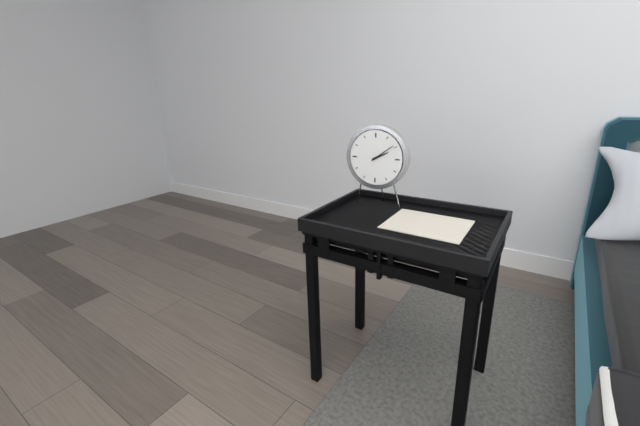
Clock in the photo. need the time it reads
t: 2:09
